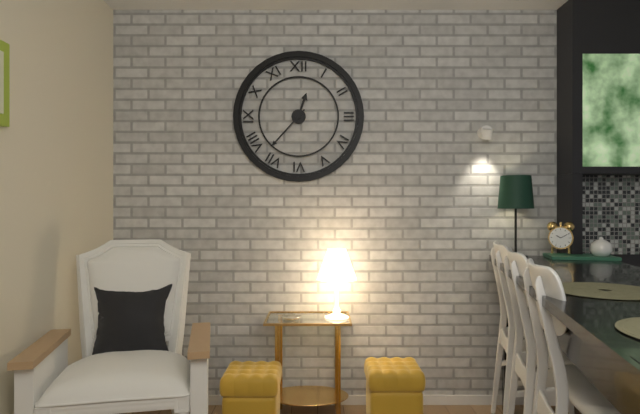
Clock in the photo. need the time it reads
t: 12:37
